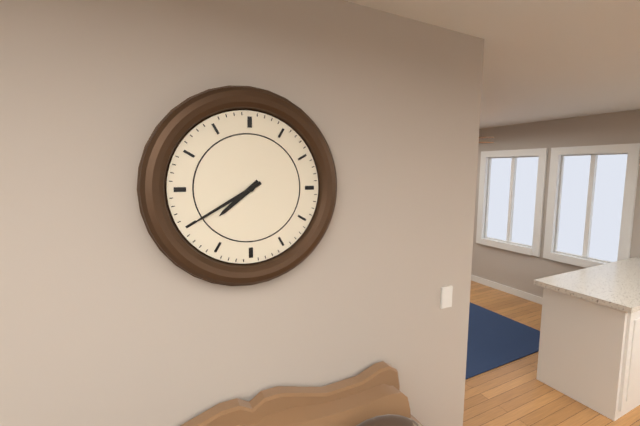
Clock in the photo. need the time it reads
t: 7:40
